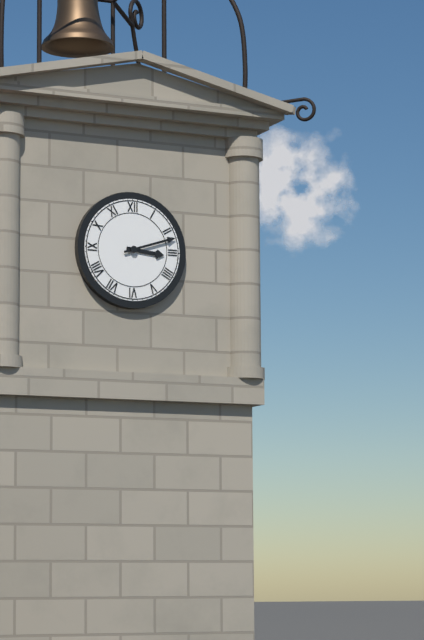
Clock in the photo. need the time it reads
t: 3:12
